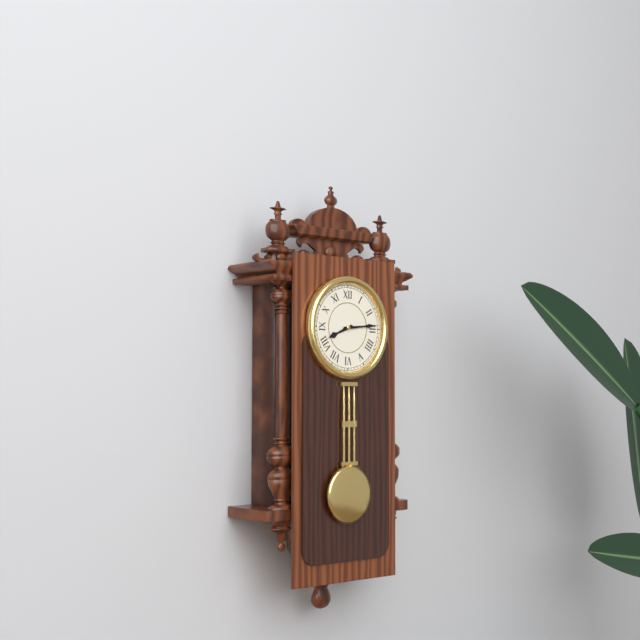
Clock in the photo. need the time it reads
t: 8:14
